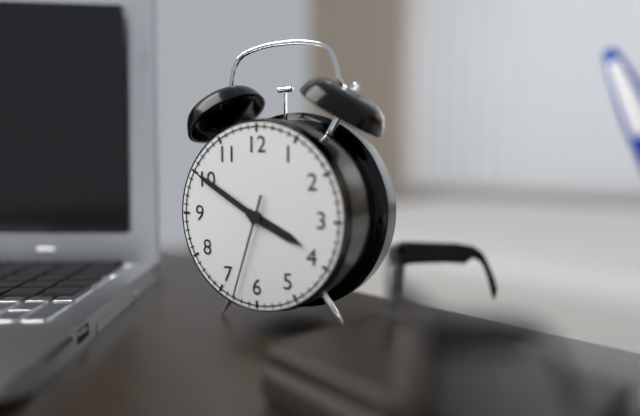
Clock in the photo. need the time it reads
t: 3:50:33
